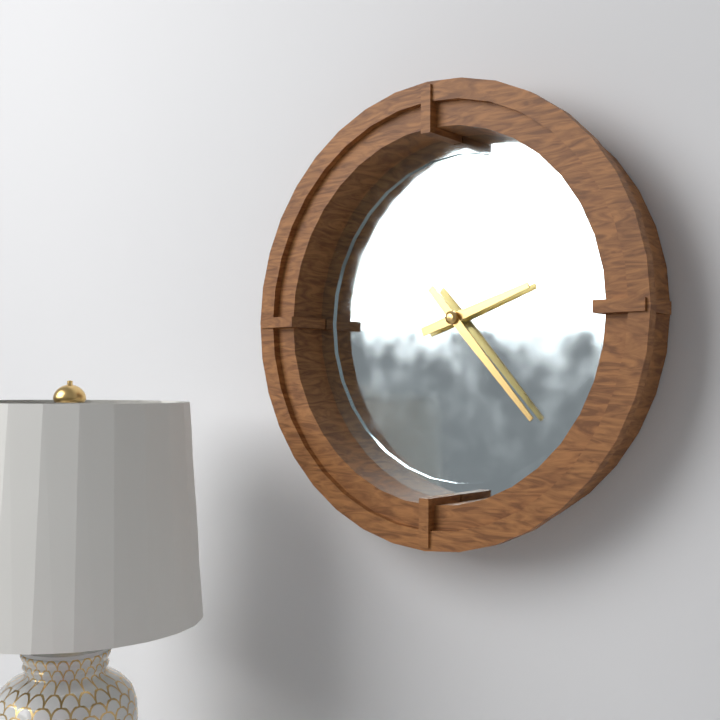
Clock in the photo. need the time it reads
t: 2:23
